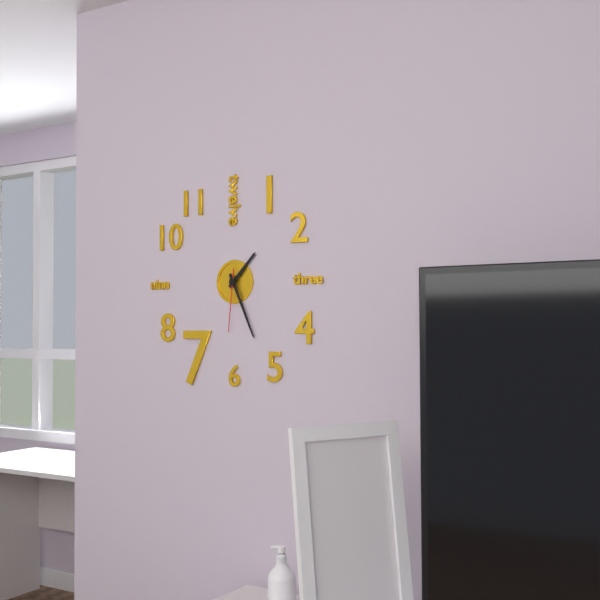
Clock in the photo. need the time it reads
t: 1:26:31
